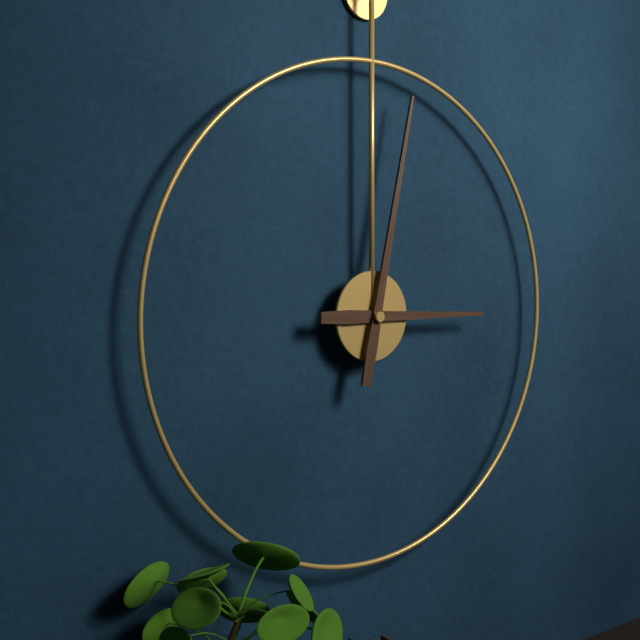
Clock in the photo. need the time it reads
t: 3:02
